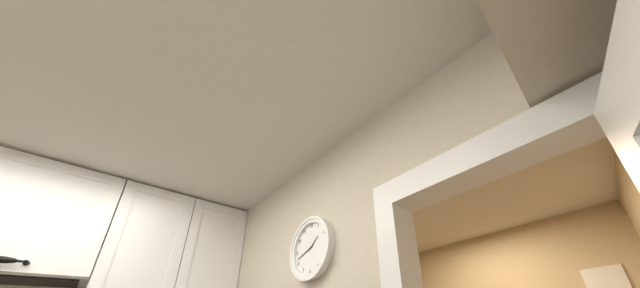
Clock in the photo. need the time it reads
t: 1:42
